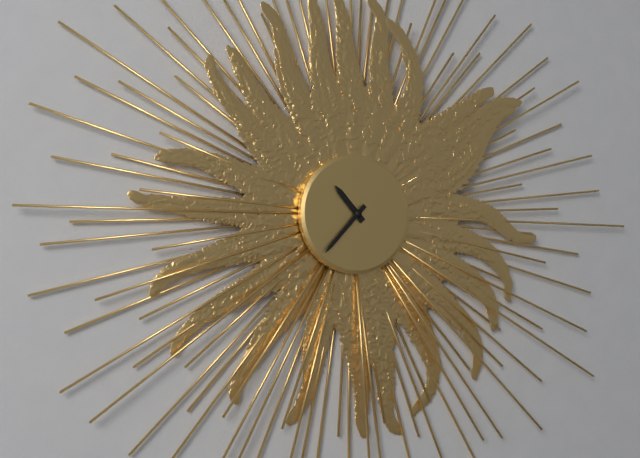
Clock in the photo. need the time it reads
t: 10:37
